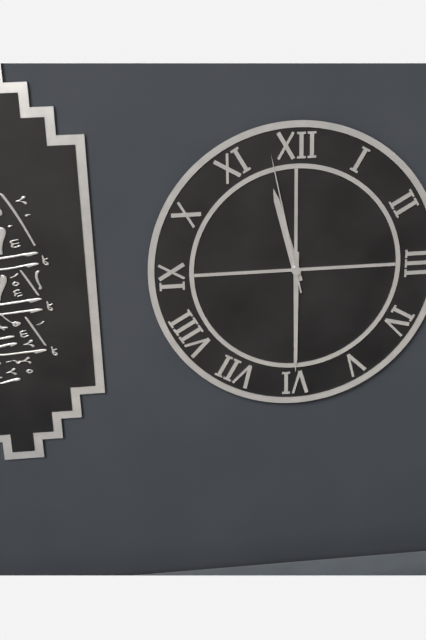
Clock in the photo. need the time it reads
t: 11:30:58
